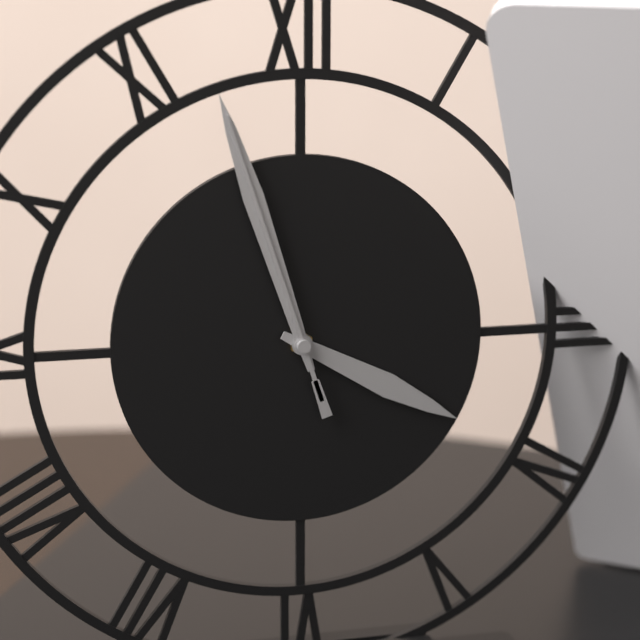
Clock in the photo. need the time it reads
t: 3:57:57
